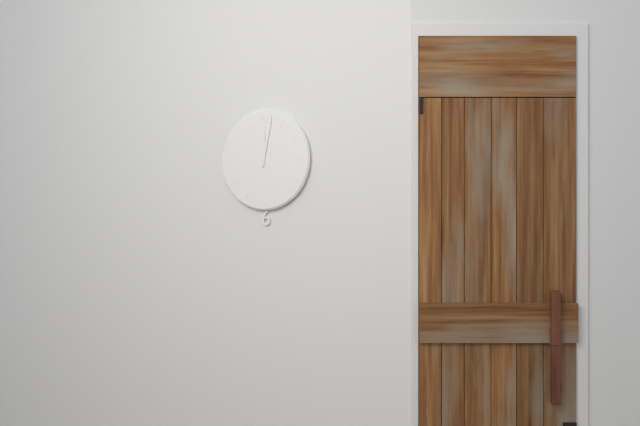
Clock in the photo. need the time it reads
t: 12:02
